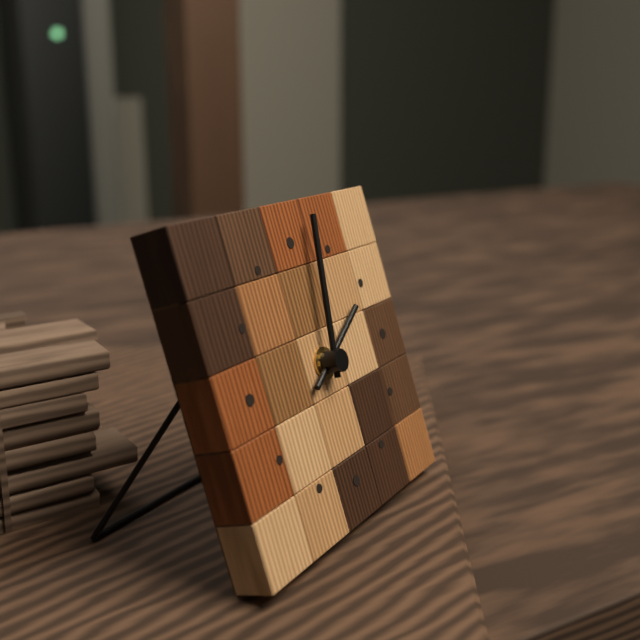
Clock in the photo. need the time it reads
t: 2:02
